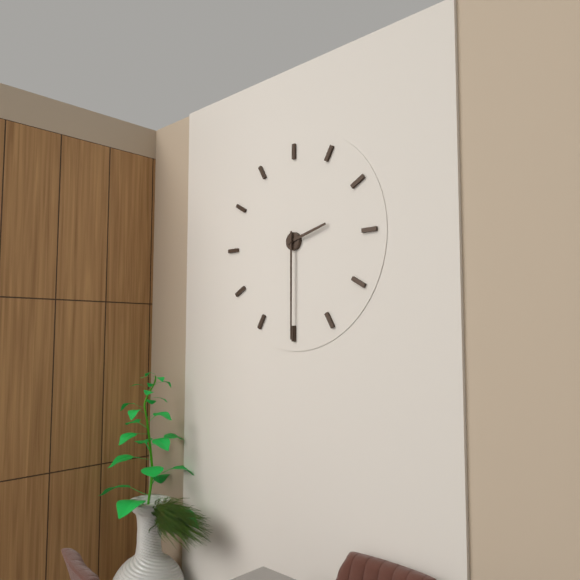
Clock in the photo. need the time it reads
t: 2:30
